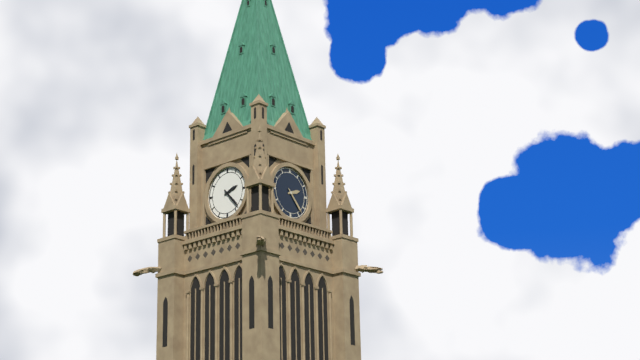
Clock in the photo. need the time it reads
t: 2:23
